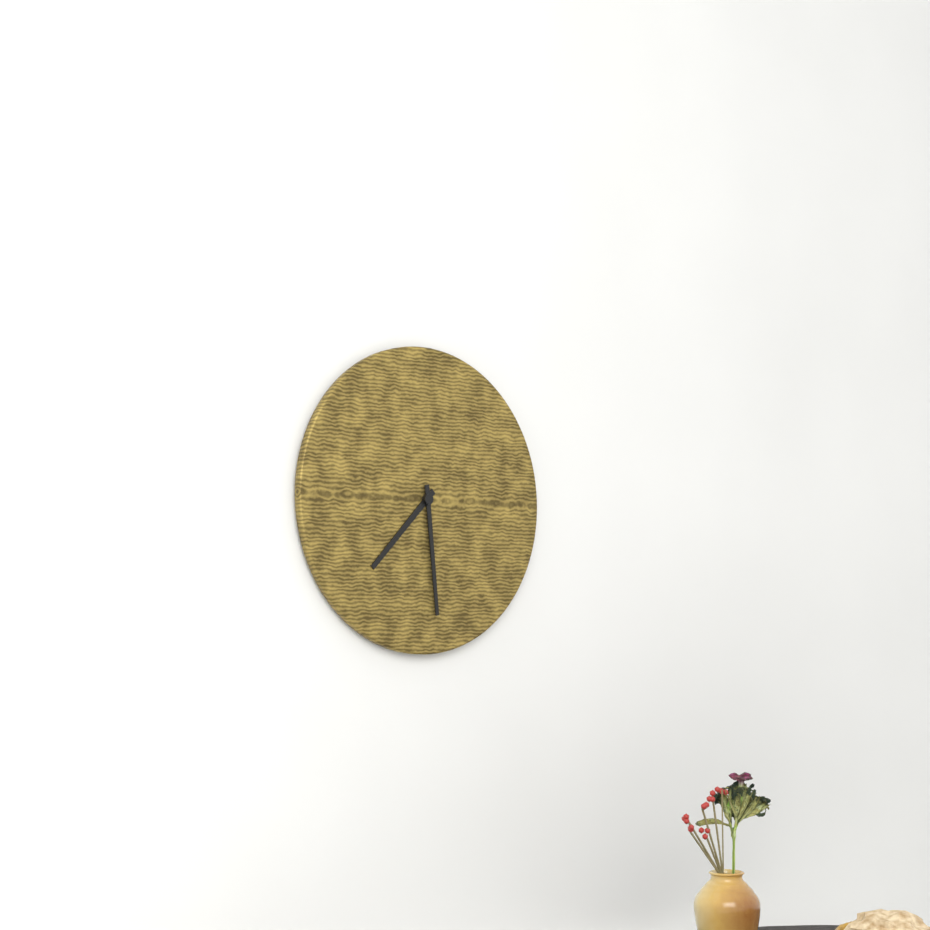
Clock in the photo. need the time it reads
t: 7:29
